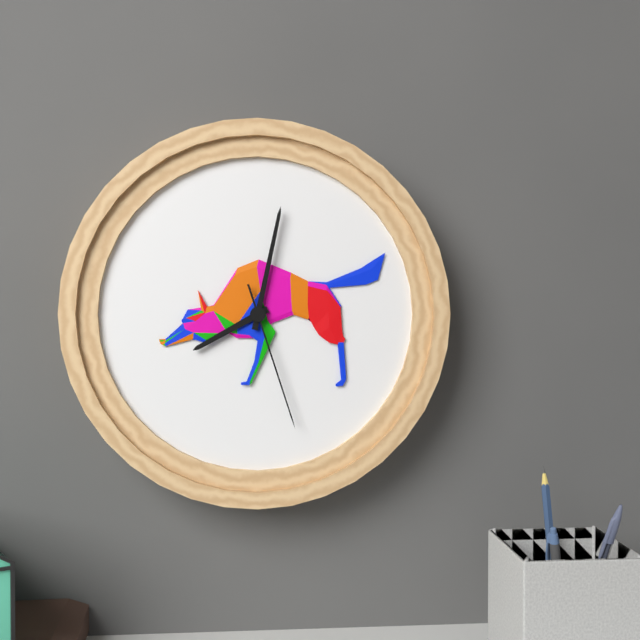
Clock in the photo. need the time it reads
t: 8:02:27
